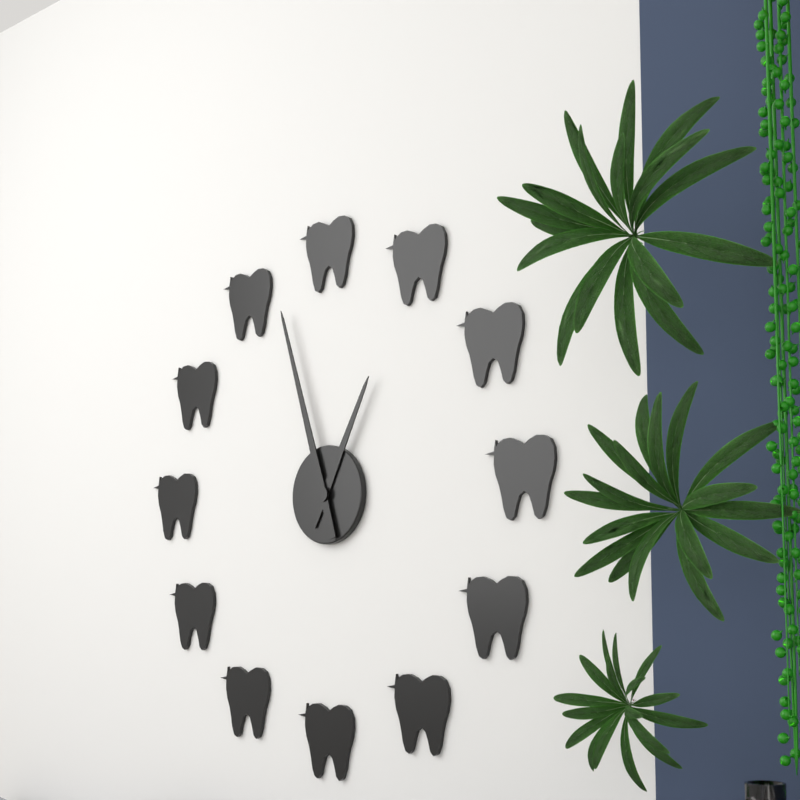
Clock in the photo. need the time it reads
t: 12:57
